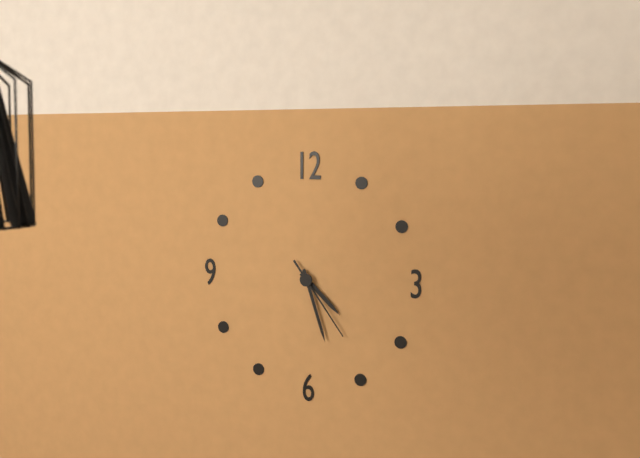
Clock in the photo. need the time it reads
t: 4:27:24
